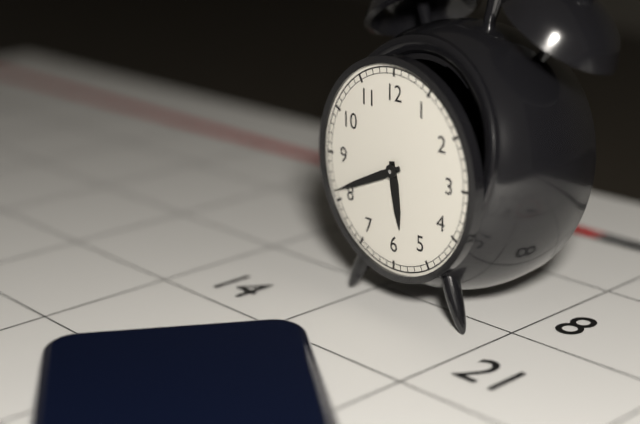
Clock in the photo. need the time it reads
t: 5:41
